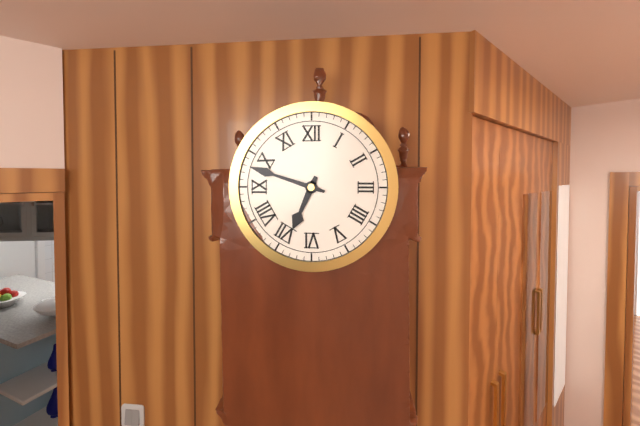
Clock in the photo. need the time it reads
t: 6:48
